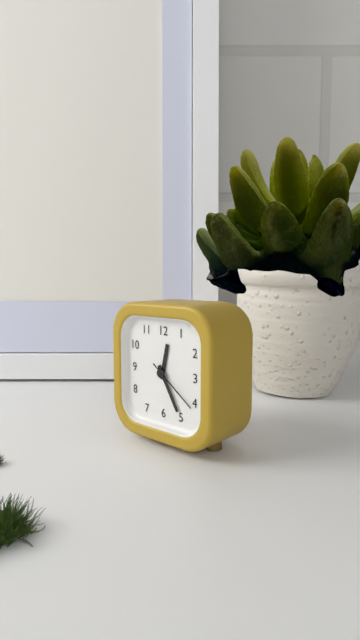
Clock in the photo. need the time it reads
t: 12:25:21
